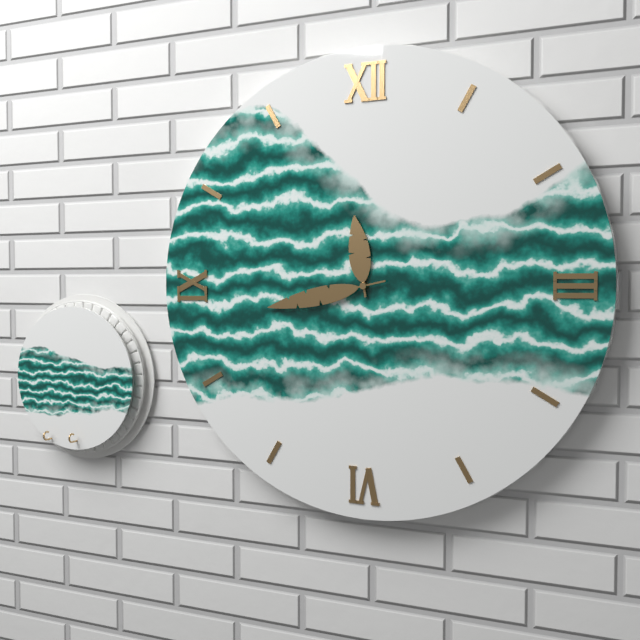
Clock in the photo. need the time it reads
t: 11:43
